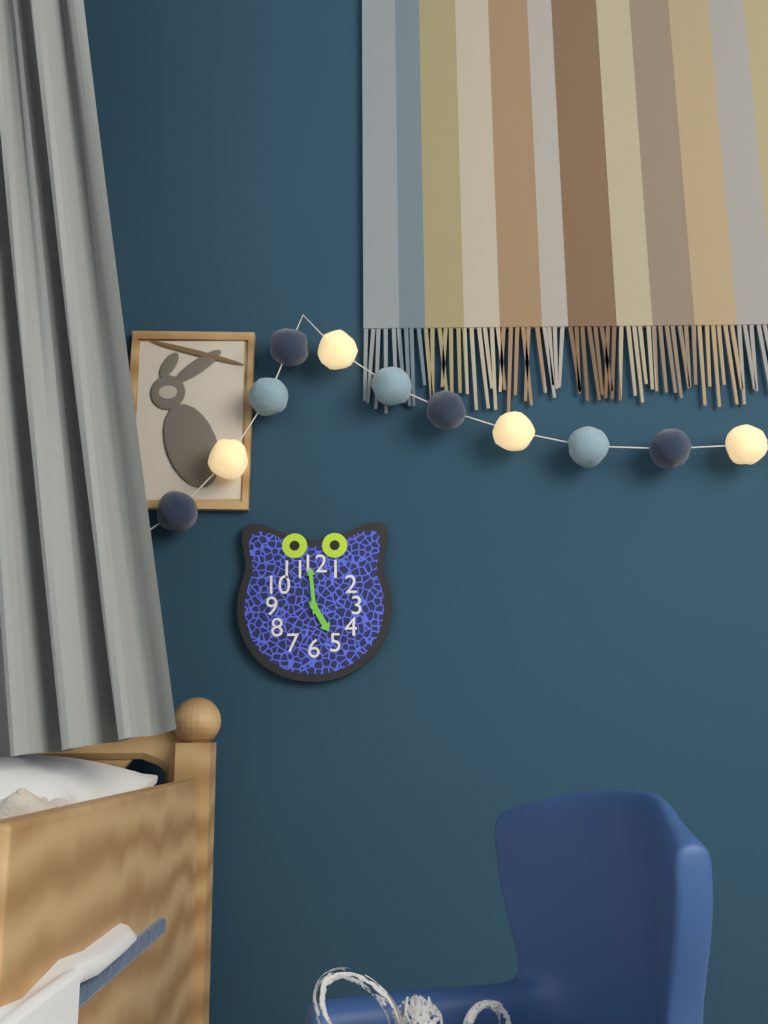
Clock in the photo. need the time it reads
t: 4:59
